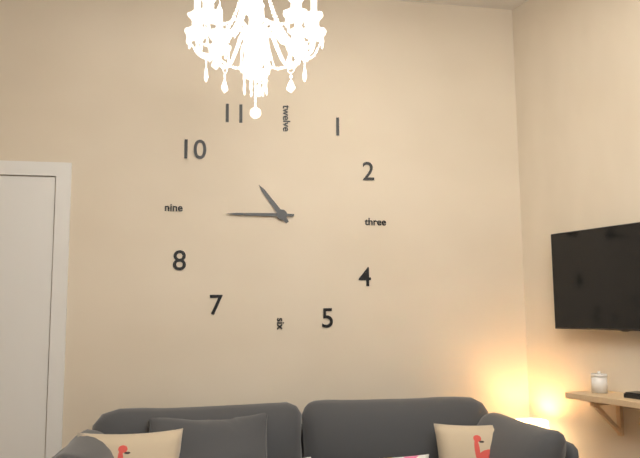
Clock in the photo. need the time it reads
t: 10:45
